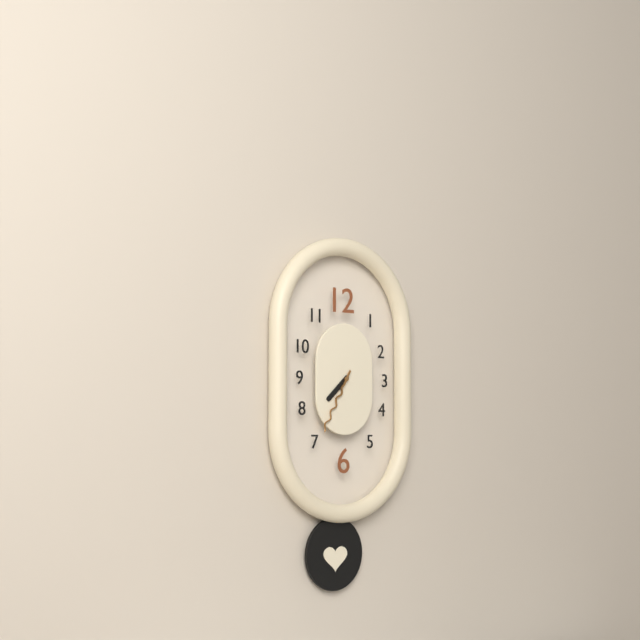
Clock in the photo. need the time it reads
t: 7:35
